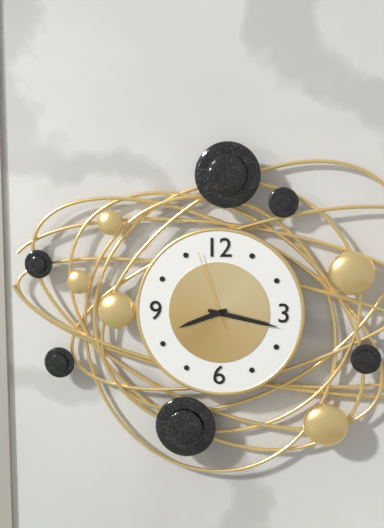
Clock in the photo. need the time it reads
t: 8:17:57
